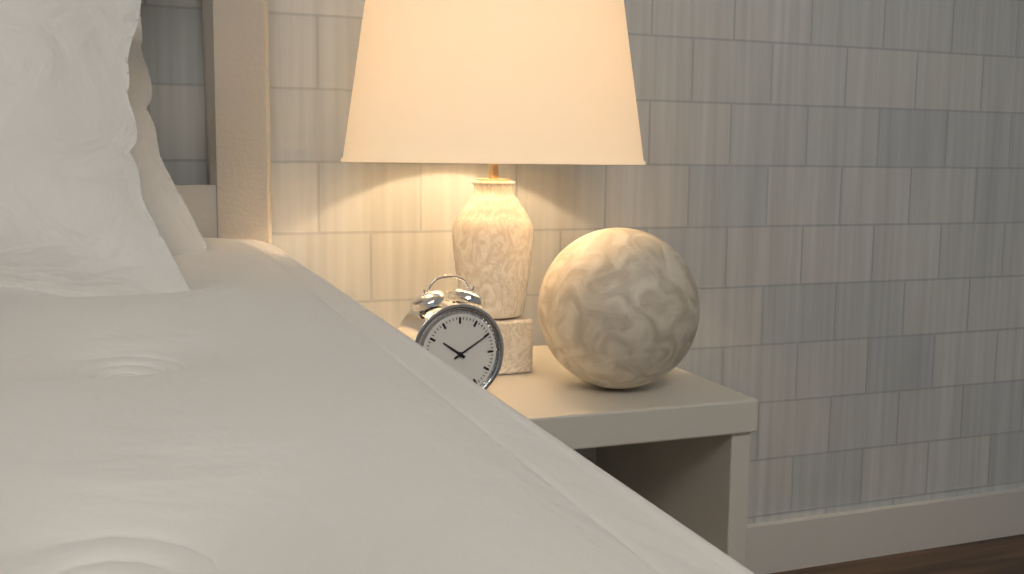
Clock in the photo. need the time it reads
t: 10:10
